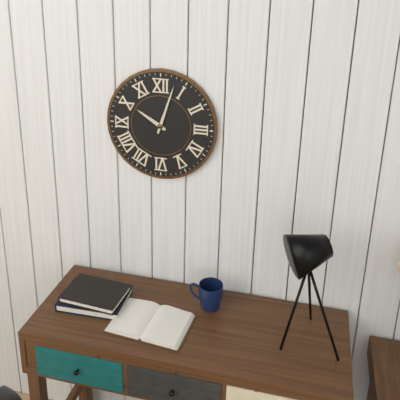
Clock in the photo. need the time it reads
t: 10:03
